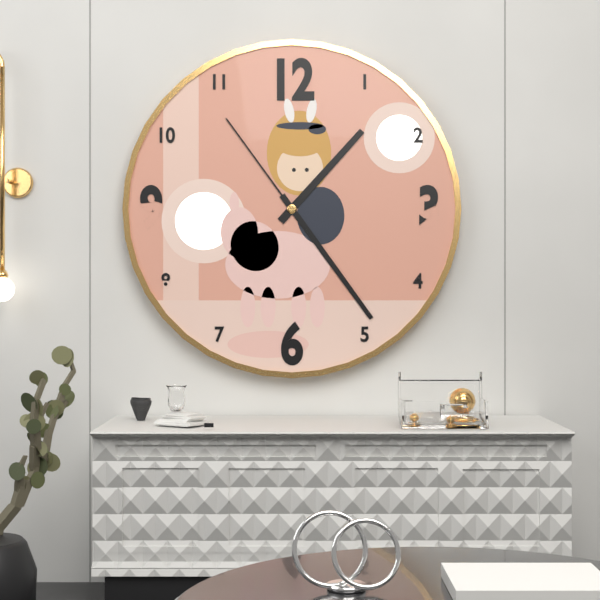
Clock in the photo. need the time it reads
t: 1:24:54
